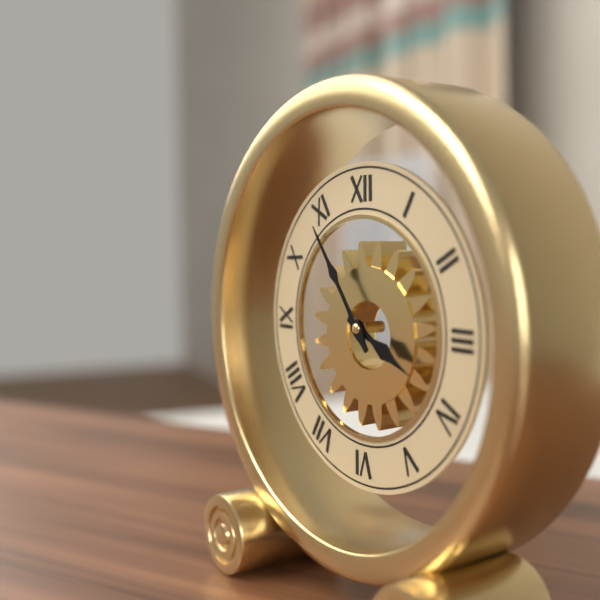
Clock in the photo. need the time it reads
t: 3:54
